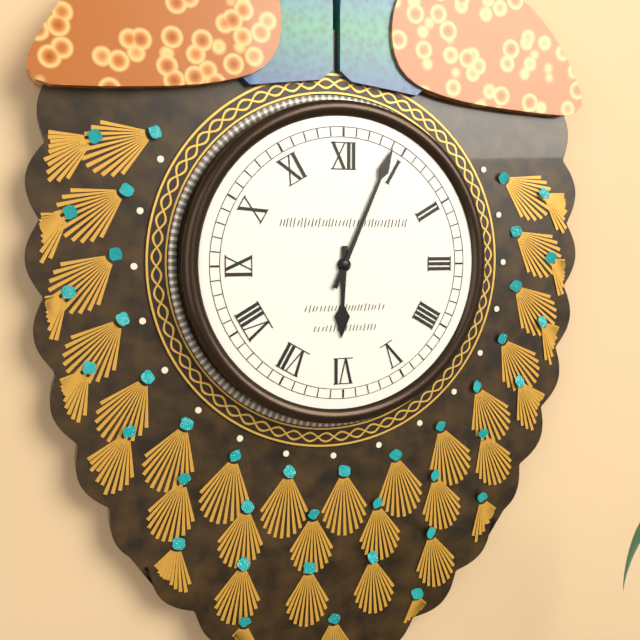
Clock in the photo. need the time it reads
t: 6:04
